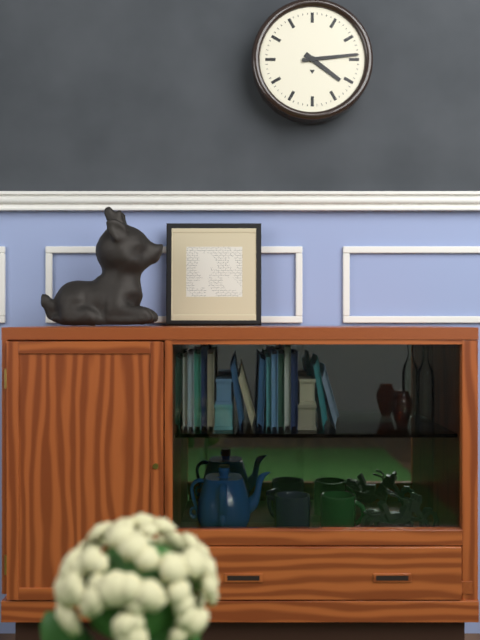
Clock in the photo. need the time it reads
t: 4:14
